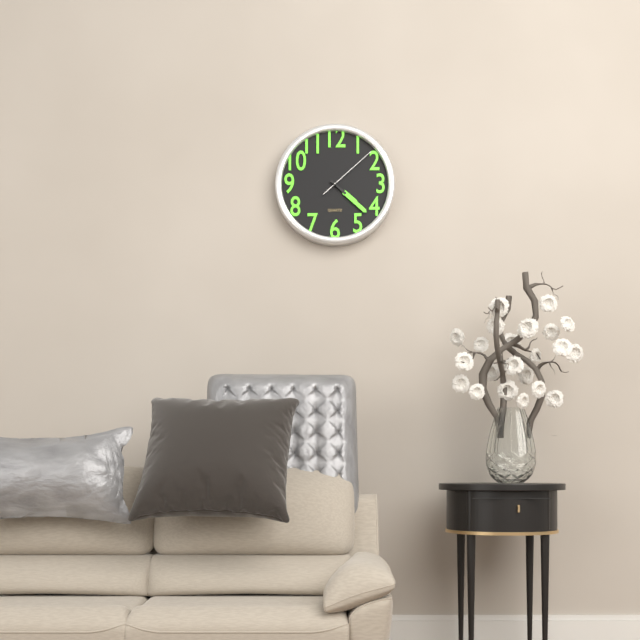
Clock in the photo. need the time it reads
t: 4:22:08
